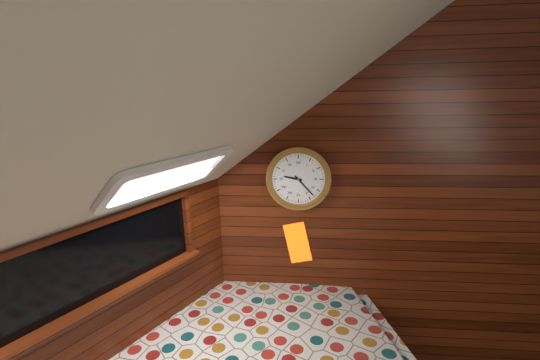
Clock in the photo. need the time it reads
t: 9:23
